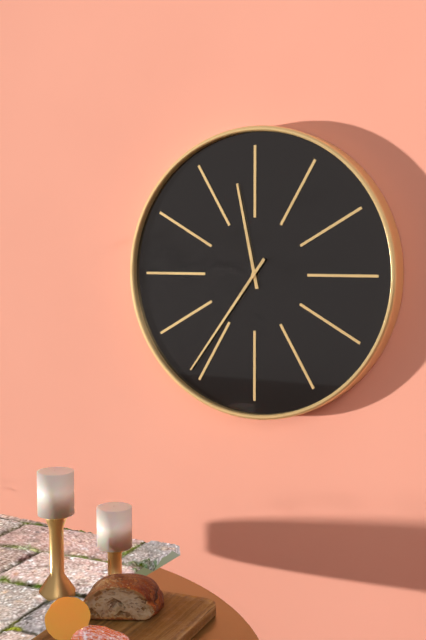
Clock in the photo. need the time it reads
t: 11:36
